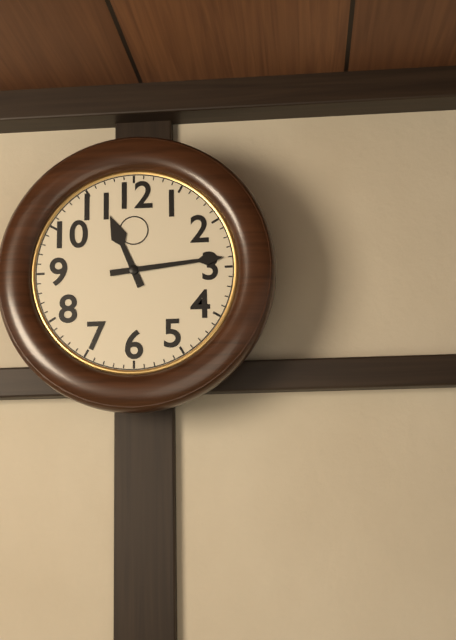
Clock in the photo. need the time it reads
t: 11:14
